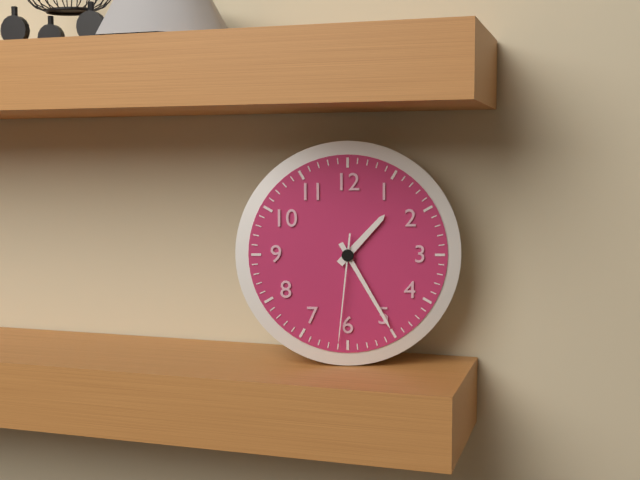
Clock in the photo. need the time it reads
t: 1:25:31
